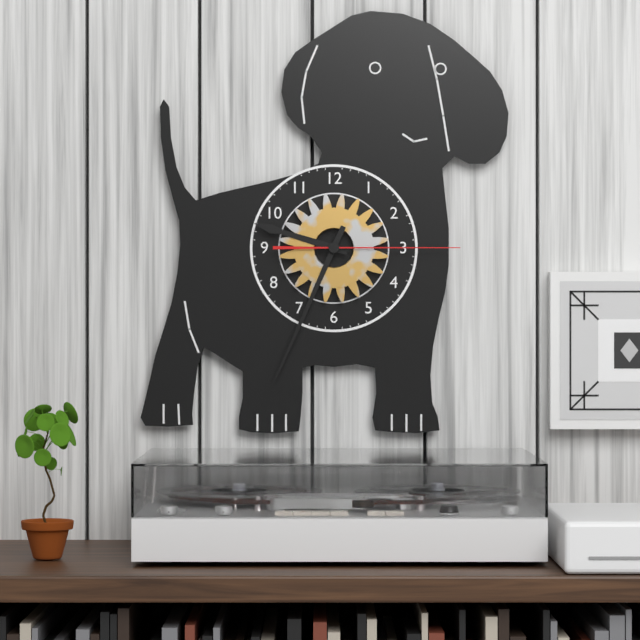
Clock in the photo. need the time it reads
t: 9:34:15
